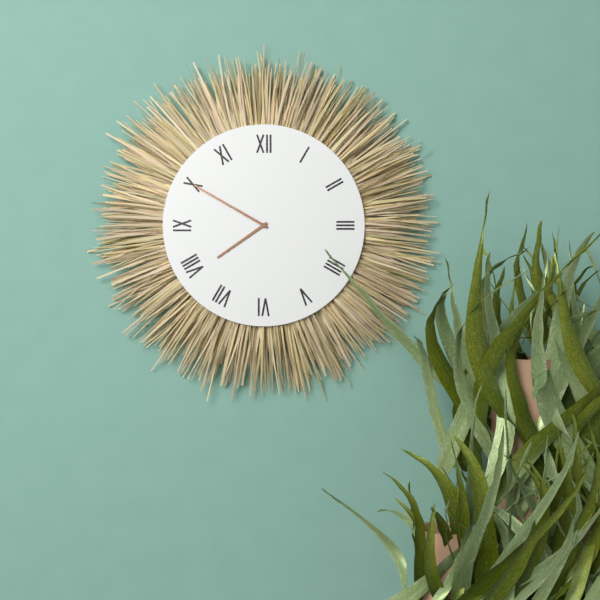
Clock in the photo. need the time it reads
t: 7:50
